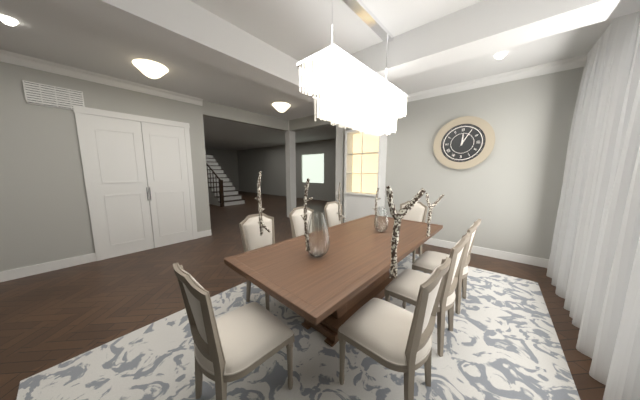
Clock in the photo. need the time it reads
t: 12:05
